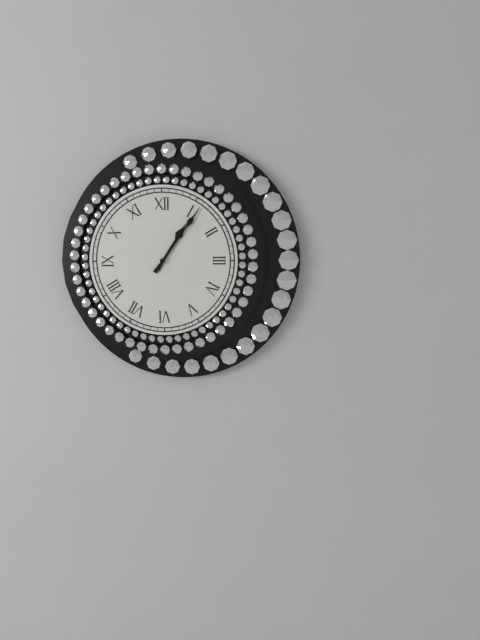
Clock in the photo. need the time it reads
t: 1:06
